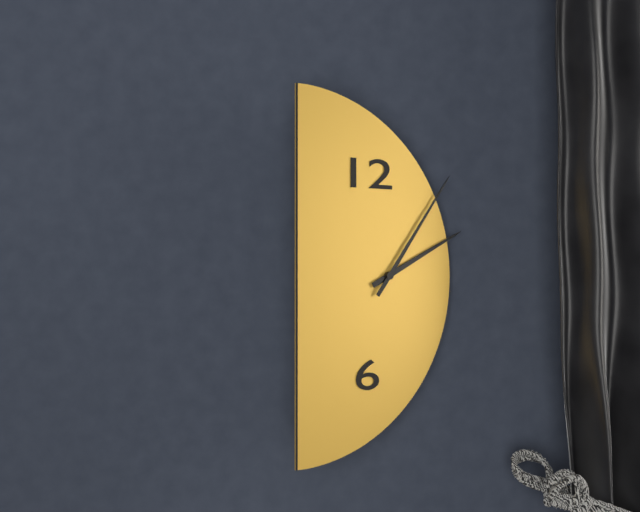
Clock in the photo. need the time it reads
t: 2:06
